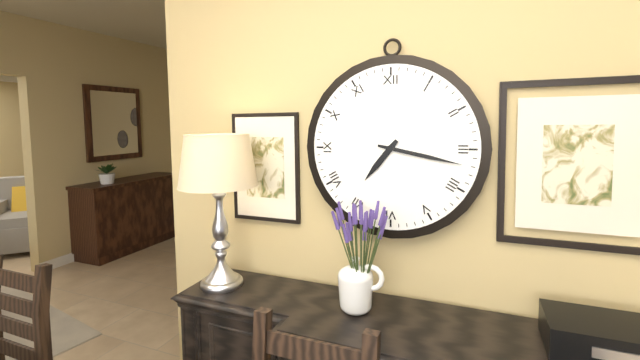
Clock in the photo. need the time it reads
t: 7:17
